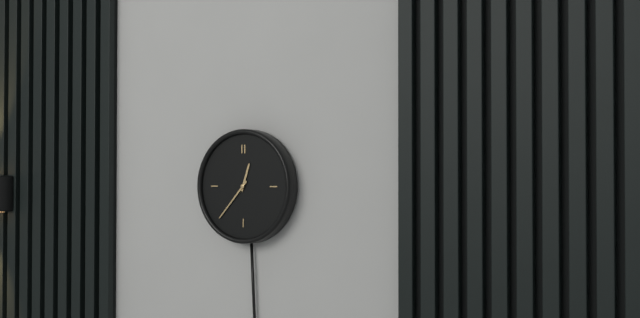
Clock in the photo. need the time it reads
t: 12:37
